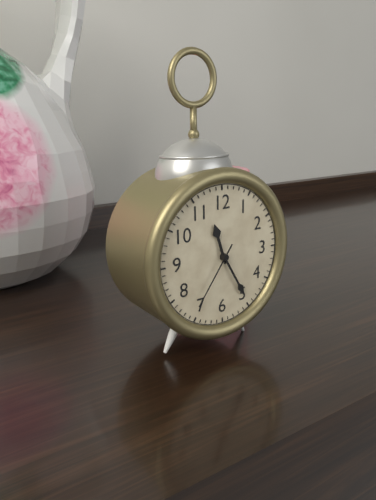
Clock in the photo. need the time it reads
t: 11:25:36
